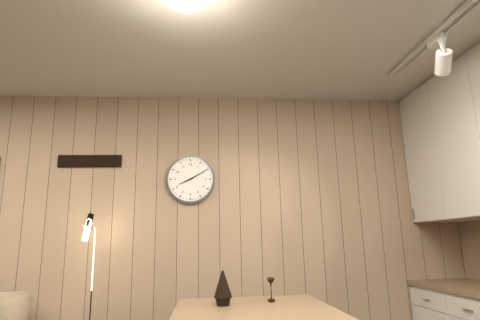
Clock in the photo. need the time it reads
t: 8:10
